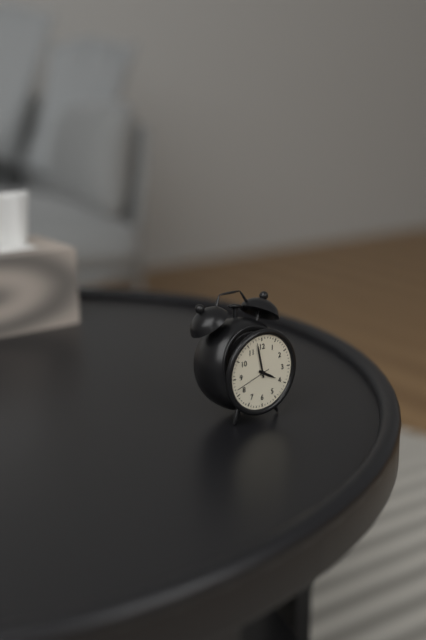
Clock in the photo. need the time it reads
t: 3:58
